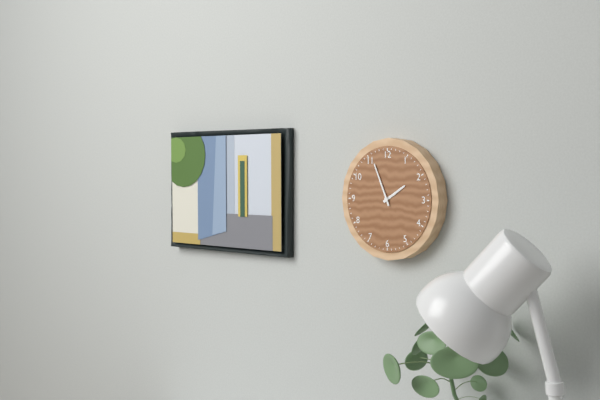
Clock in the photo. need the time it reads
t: 1:56
